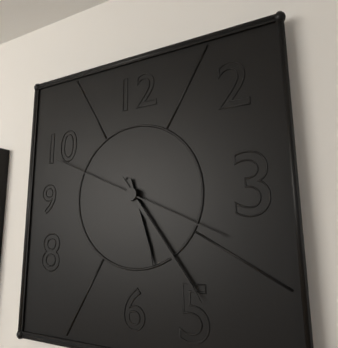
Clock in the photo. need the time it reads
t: 5:24:49
